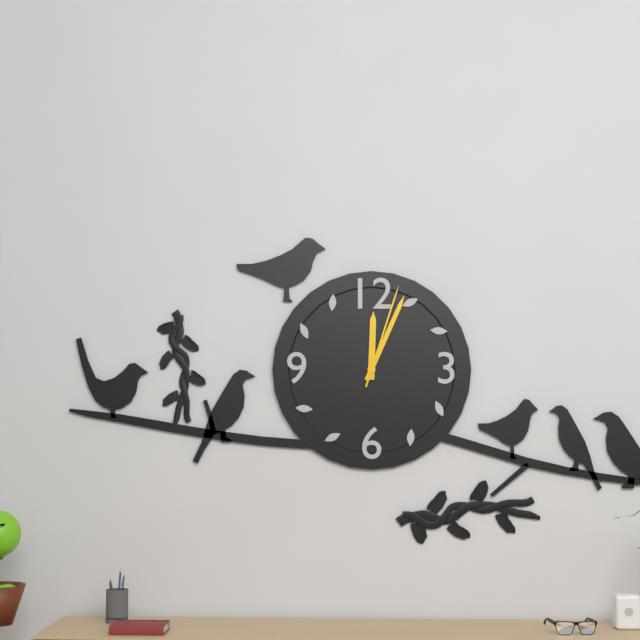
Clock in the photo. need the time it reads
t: 12:04:03
